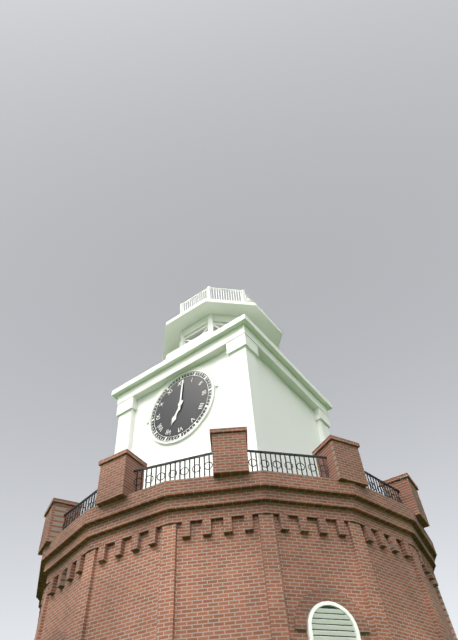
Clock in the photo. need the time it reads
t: 7:01
